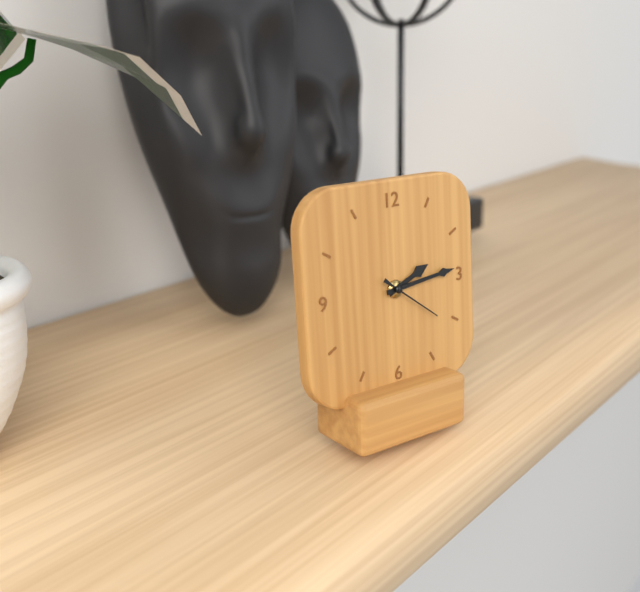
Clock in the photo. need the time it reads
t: 2:14:21
